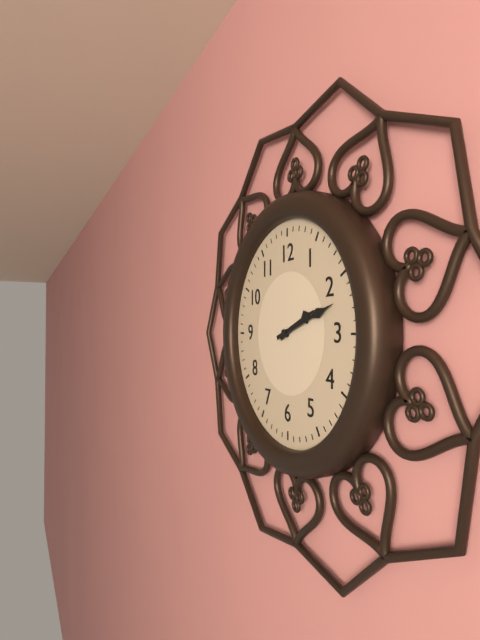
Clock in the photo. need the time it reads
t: 2:12
